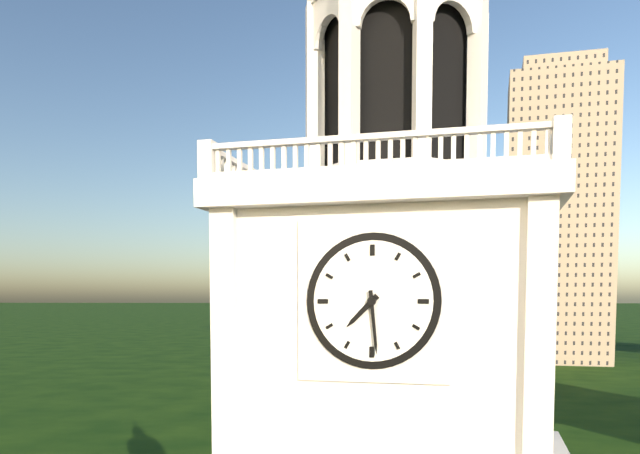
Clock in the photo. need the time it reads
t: 7:29
